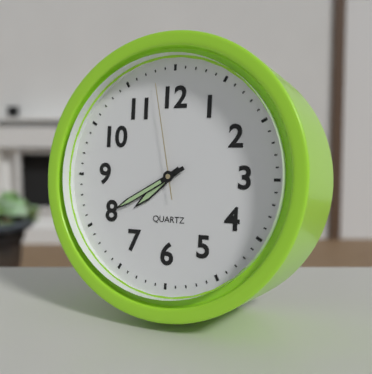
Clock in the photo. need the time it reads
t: 7:40:58
